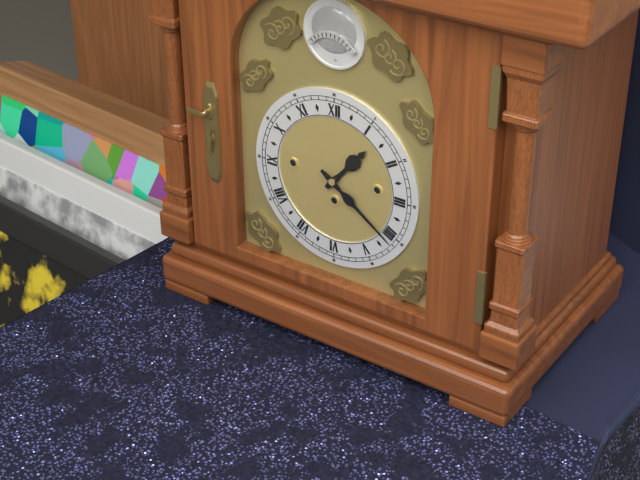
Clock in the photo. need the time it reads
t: 1:21
